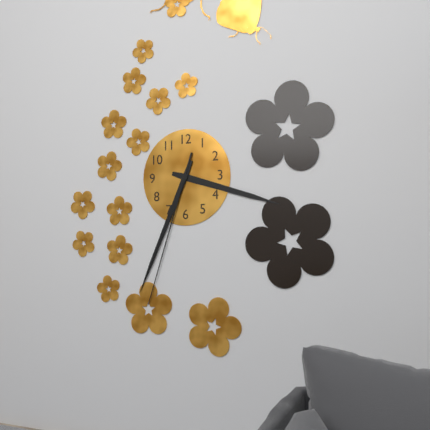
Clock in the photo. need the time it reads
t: 3:34:33
